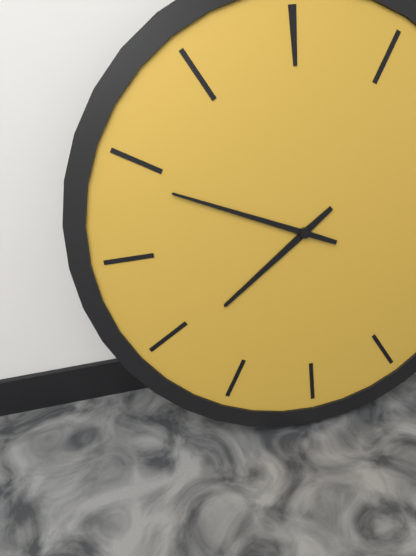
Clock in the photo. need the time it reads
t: 7:49
